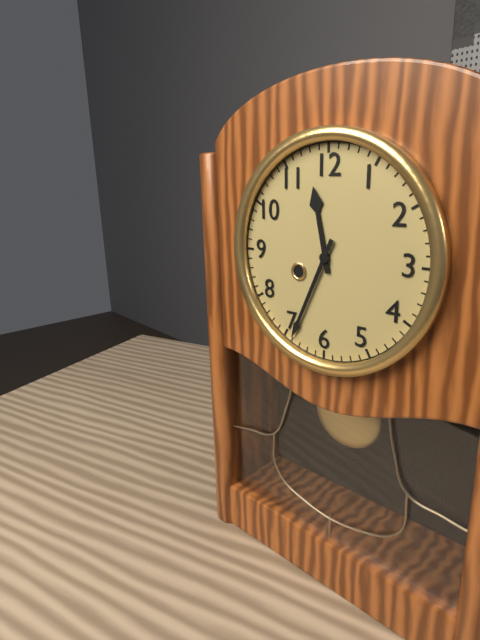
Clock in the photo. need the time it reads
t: 11:34
